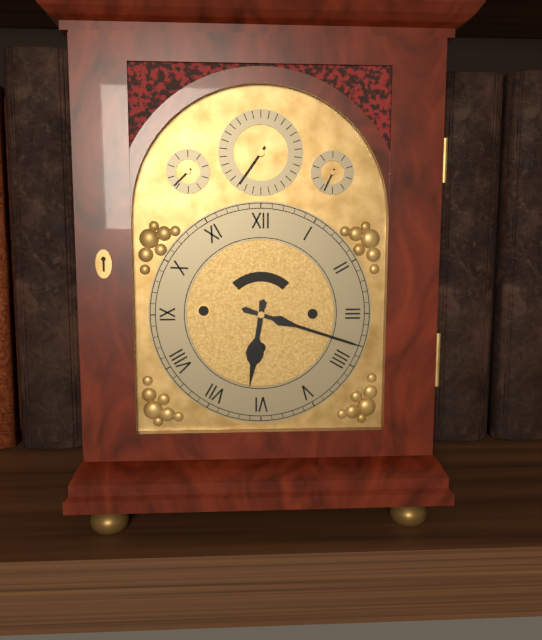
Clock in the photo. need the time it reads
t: 6:18
